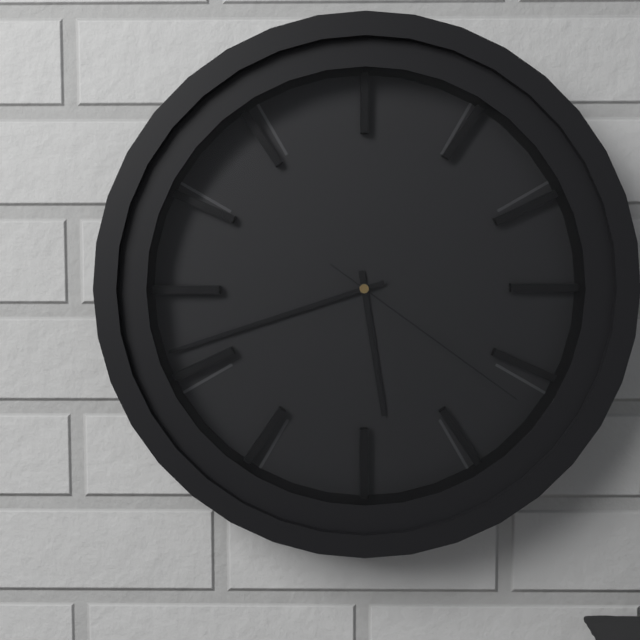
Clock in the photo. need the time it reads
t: 5:42:21
